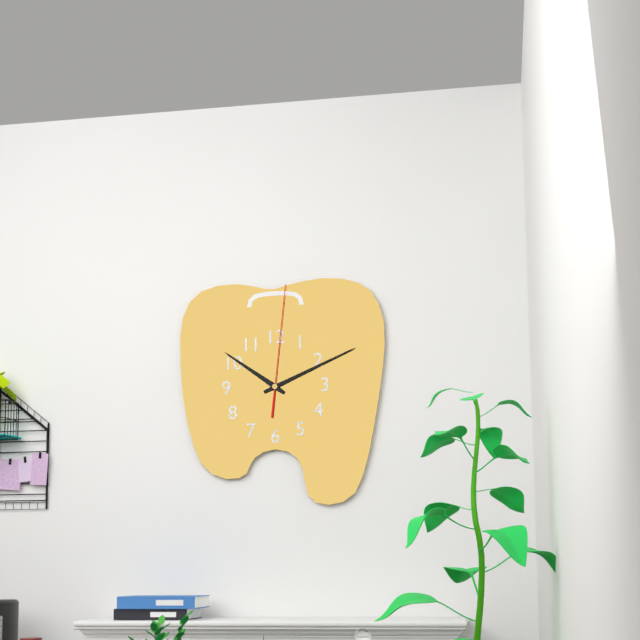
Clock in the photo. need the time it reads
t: 10:11:01
